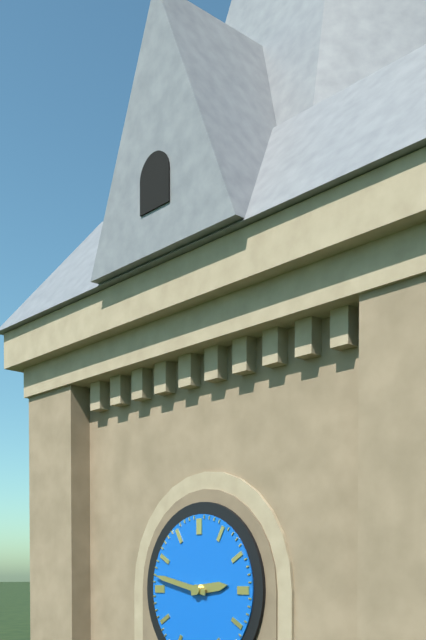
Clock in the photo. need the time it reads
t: 2:47
